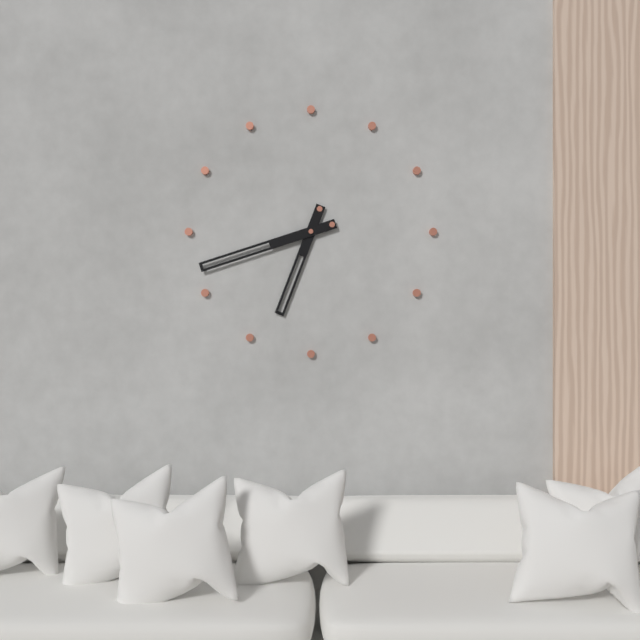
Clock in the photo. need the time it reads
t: 6:42
